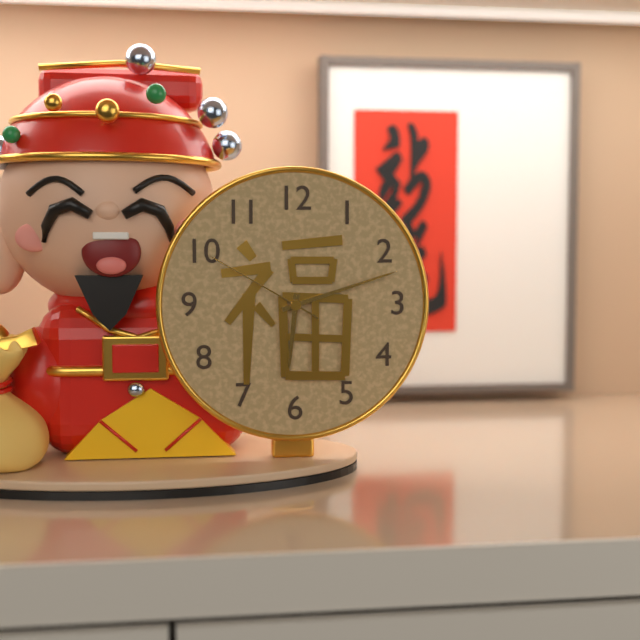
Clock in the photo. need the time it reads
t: 6:12:50
